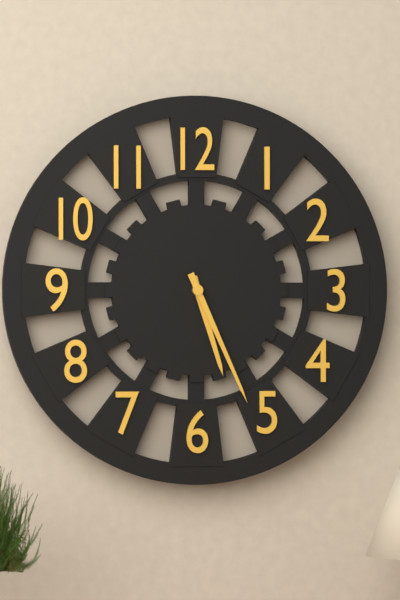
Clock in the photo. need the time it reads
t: 5:26
